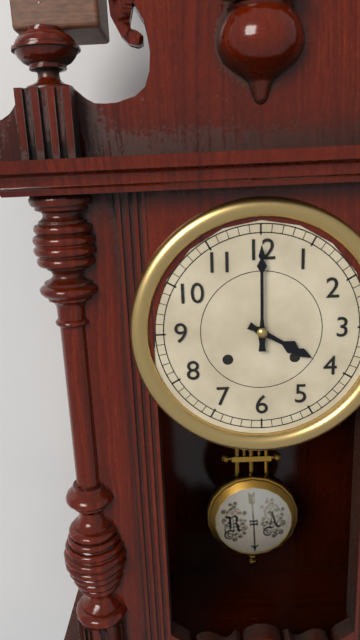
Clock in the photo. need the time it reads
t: 4:00
